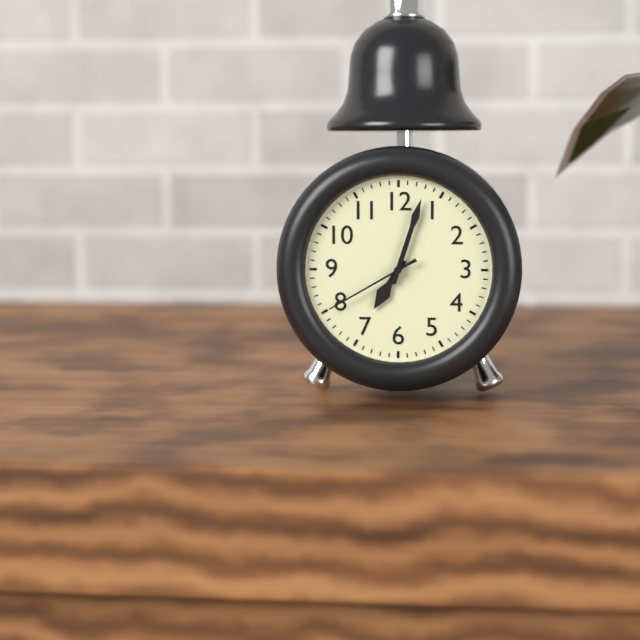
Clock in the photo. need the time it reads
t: 7:03:40
